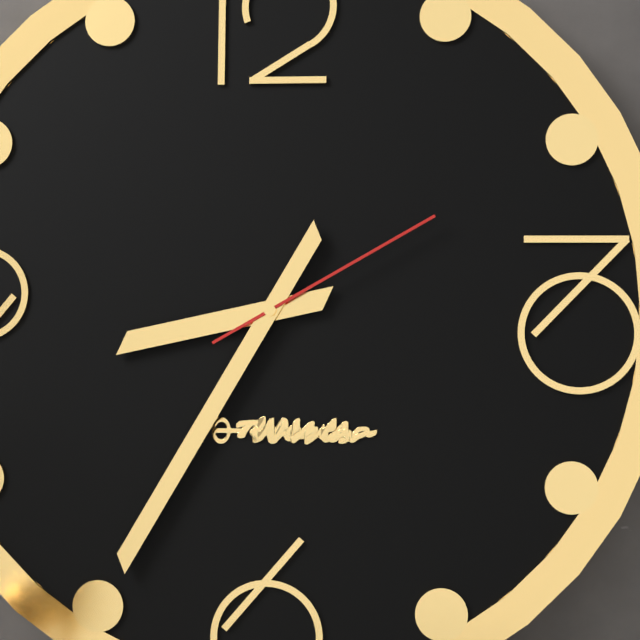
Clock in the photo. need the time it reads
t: 8:35:10
